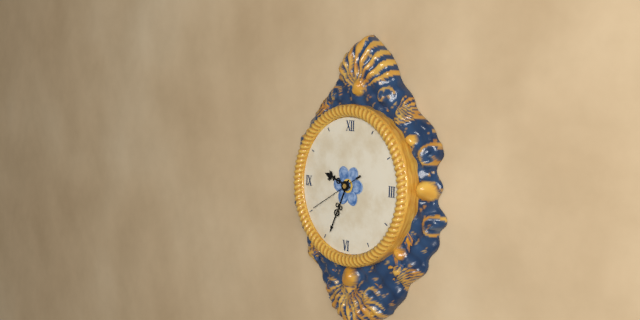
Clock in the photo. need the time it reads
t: 9:34
